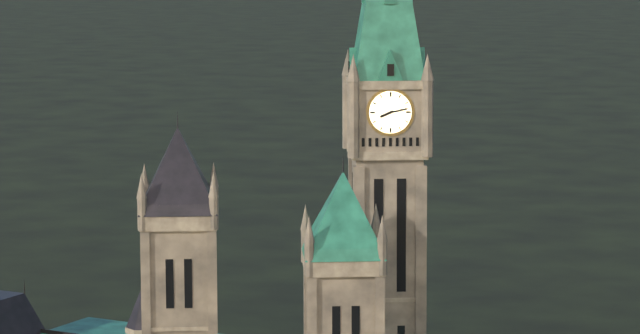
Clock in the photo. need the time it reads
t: 8:13
